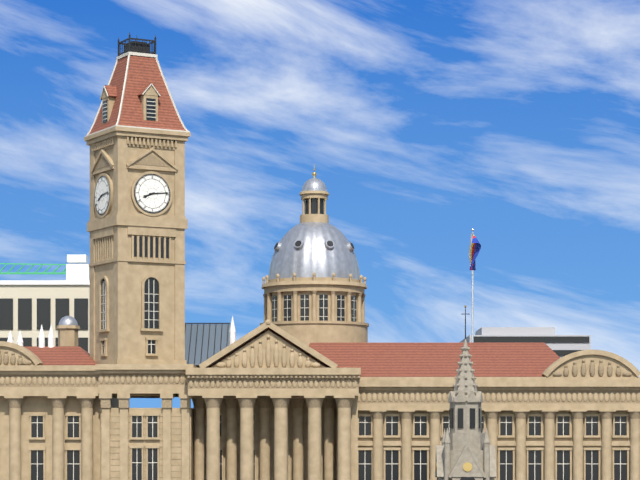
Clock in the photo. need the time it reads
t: 8:14
